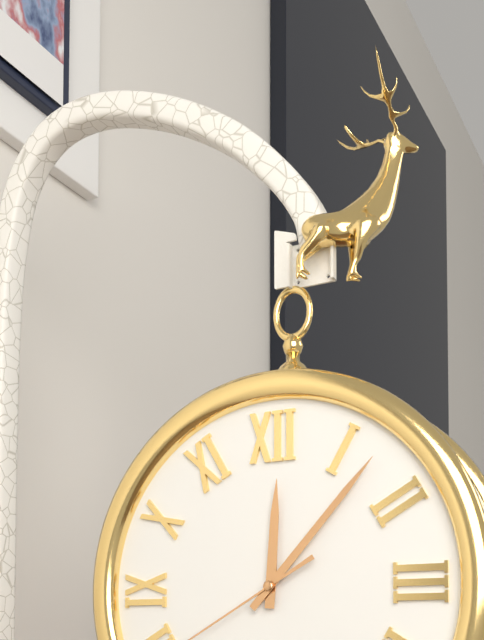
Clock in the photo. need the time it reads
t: 12:07
